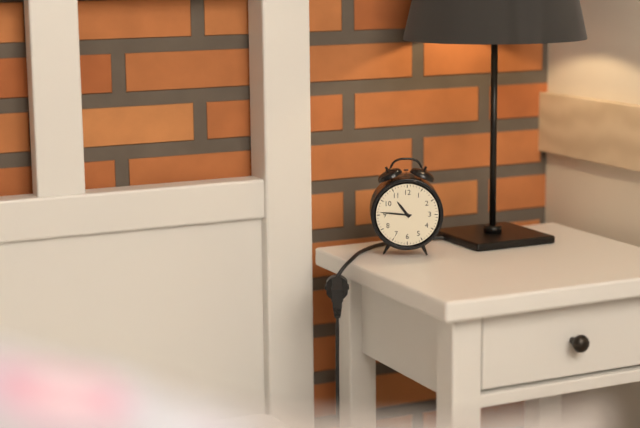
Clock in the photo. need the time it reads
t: 10:46
